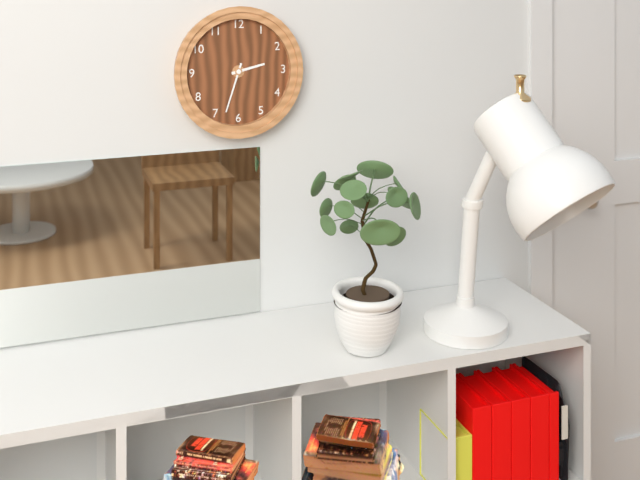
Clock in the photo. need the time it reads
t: 2:33
